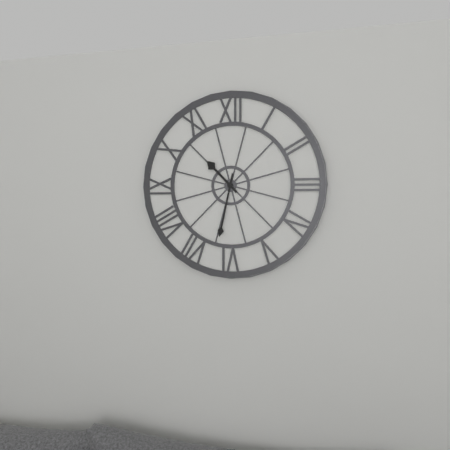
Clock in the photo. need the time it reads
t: 10:32
